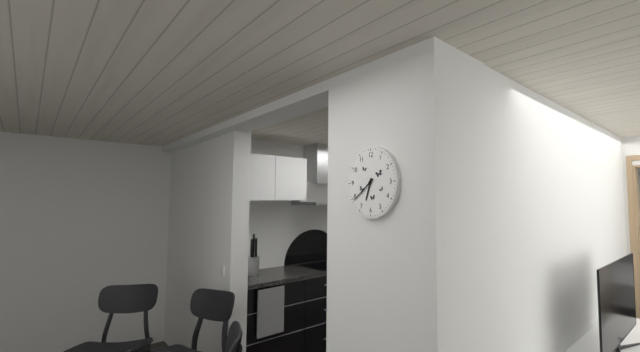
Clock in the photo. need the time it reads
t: 6:39
